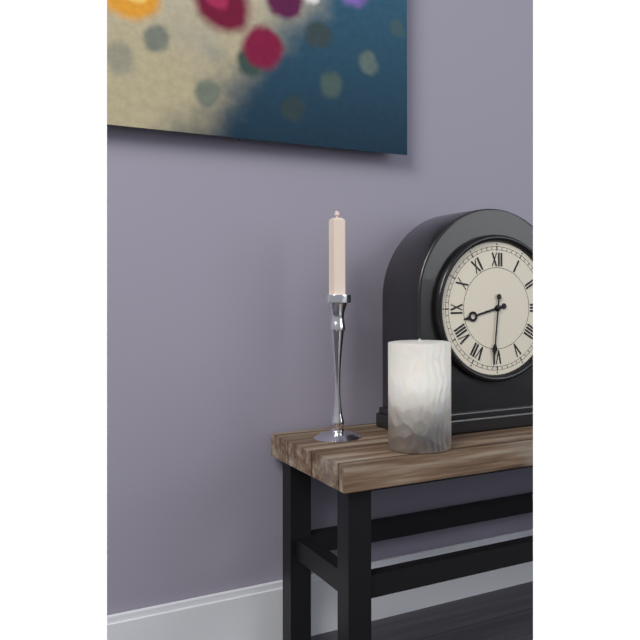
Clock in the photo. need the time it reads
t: 8:31
